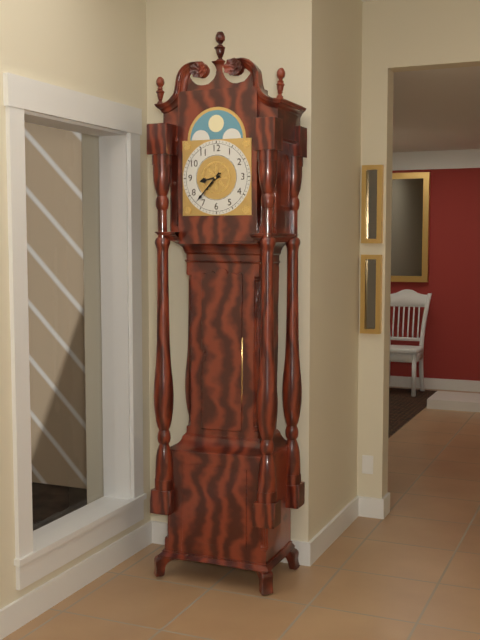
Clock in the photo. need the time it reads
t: 8:37
